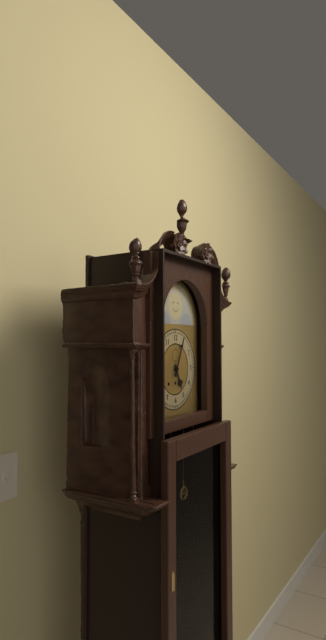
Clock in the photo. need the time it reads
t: 5:04
